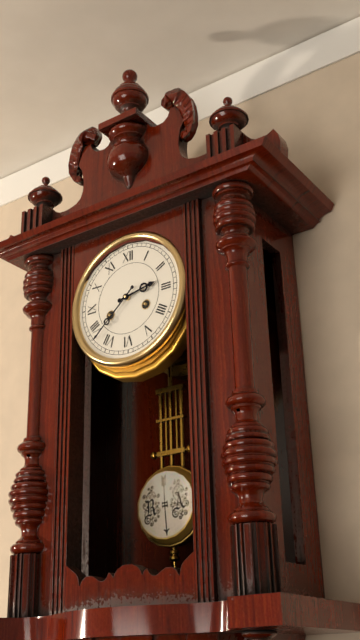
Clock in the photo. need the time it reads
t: 2:38
